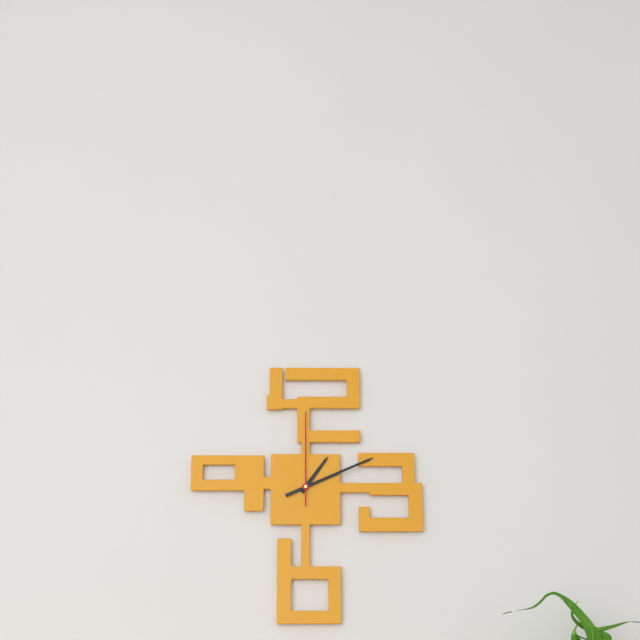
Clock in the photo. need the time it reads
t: 1:11:00
